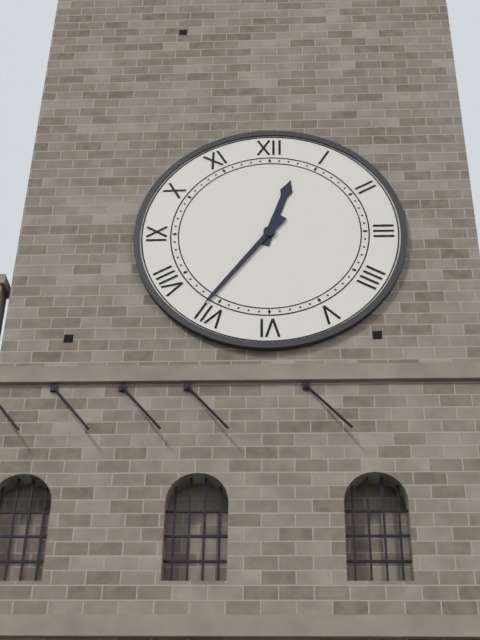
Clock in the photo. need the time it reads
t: 12:36
